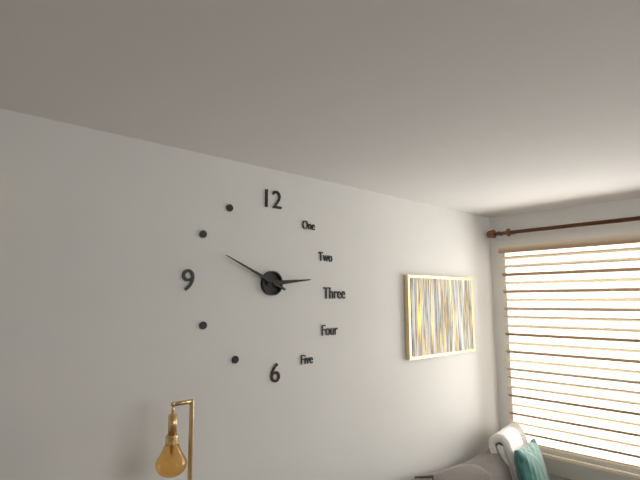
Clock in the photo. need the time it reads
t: 2:49
